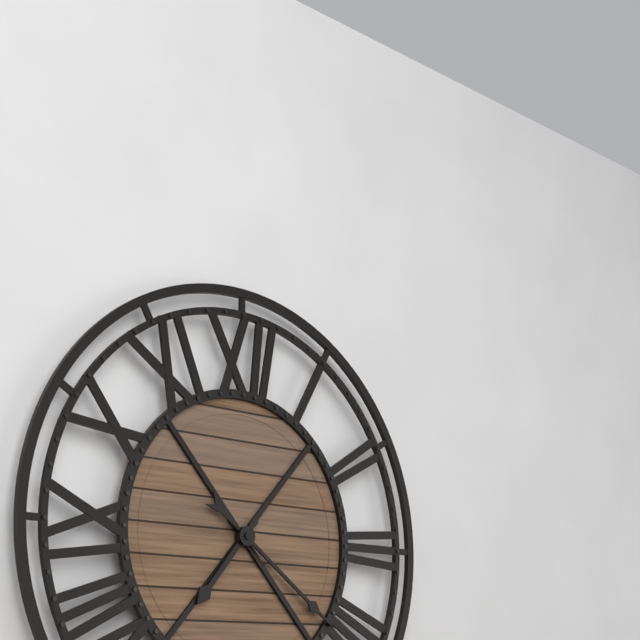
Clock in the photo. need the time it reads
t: 7:21
